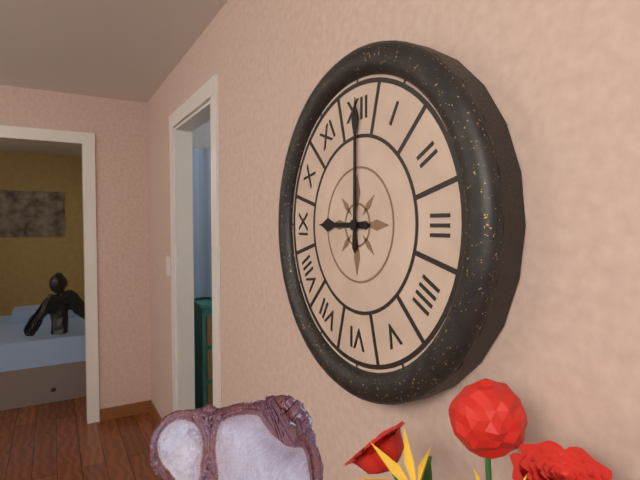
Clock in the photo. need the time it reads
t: 9:00
